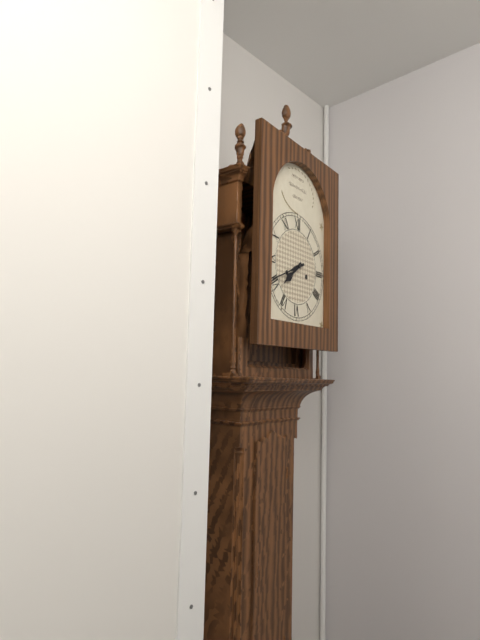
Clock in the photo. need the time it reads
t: 7:41
